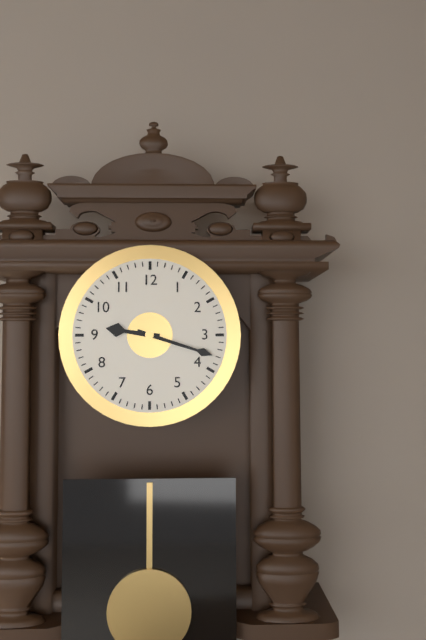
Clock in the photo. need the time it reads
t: 9:18
